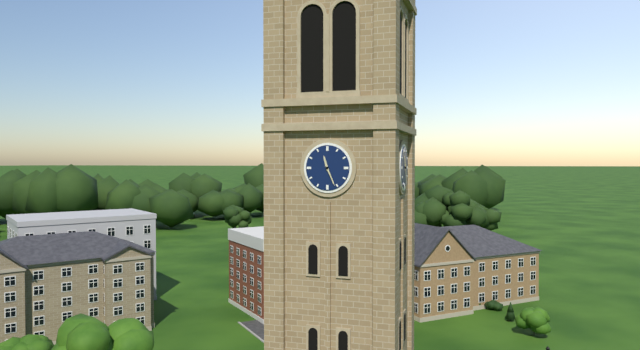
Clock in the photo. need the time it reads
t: 11:26
